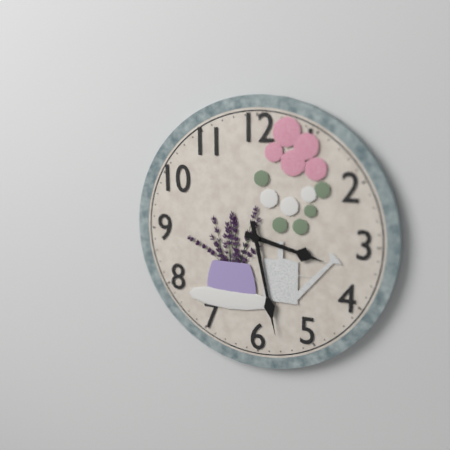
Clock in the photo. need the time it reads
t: 3:28
